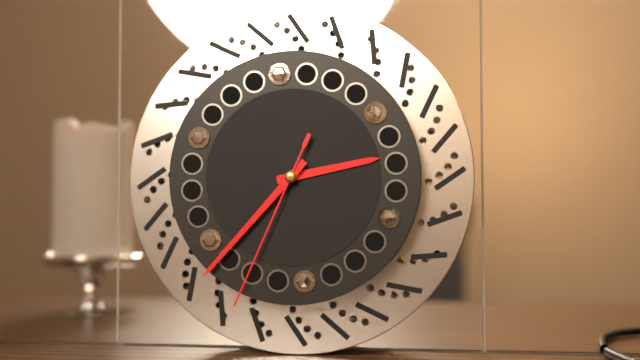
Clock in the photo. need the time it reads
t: 2:37:34
